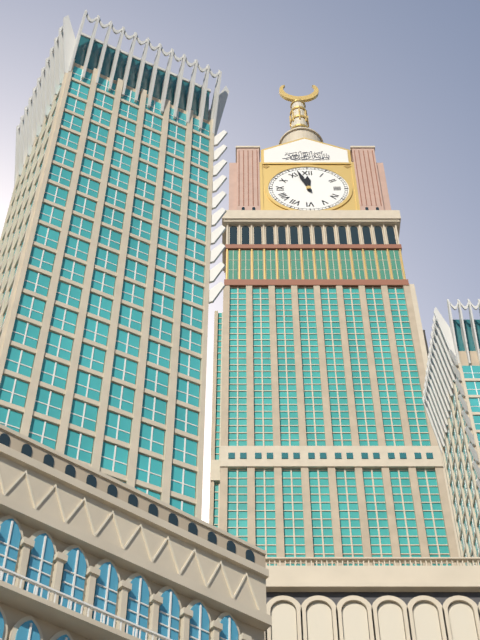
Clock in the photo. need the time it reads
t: 11:57
